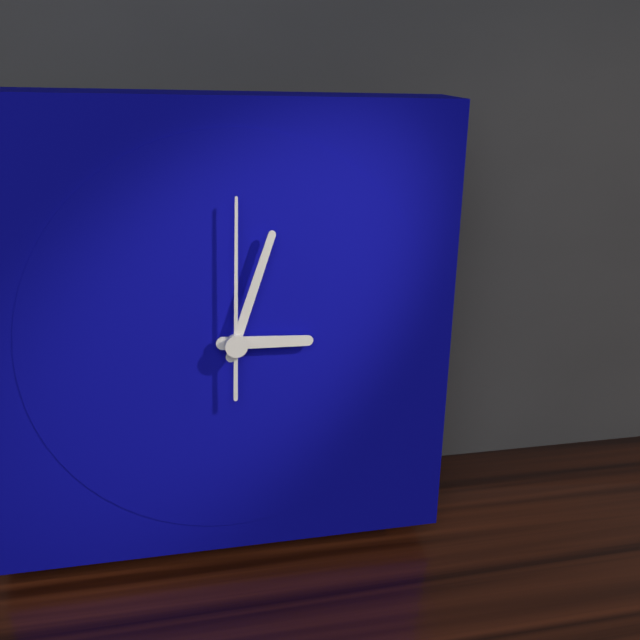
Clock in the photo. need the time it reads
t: 3:03:00
